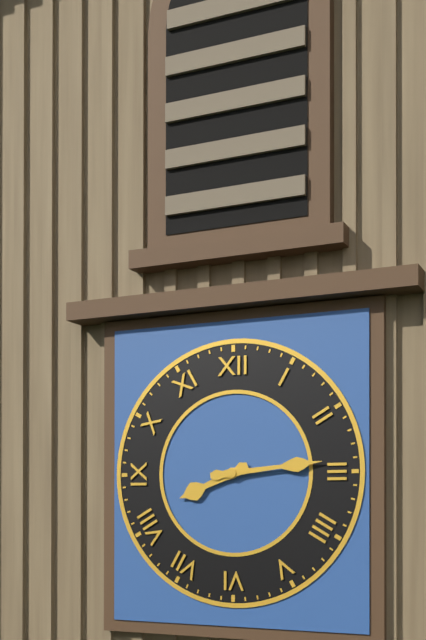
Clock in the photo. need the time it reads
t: 8:14
